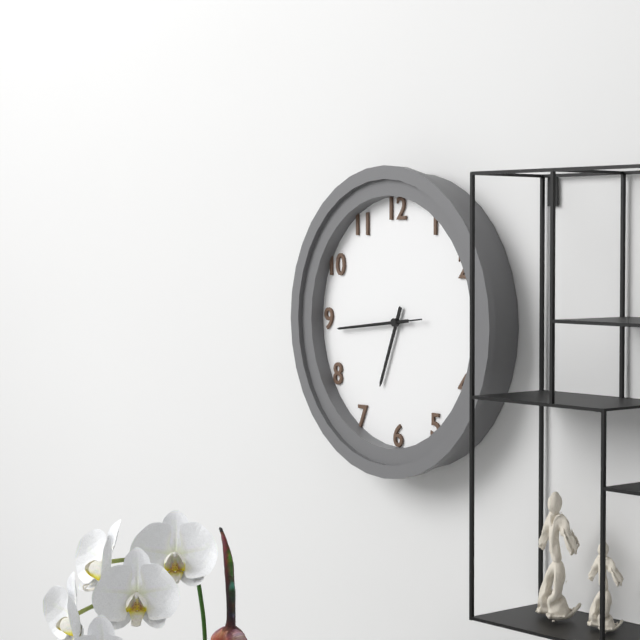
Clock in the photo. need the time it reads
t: 6:44:44
